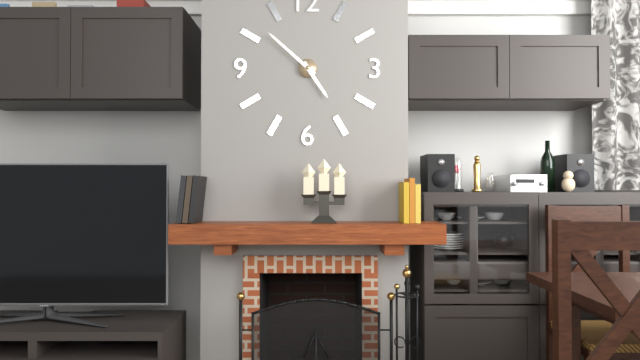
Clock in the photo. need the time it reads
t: 4:52
